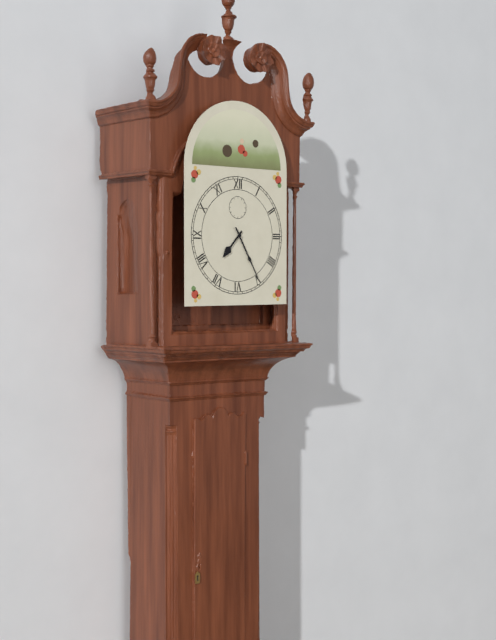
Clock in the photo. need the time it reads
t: 7:25
